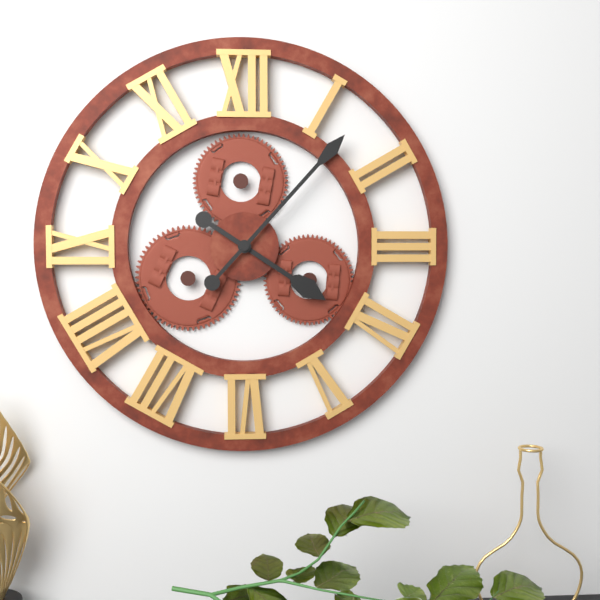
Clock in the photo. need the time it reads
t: 4:07
